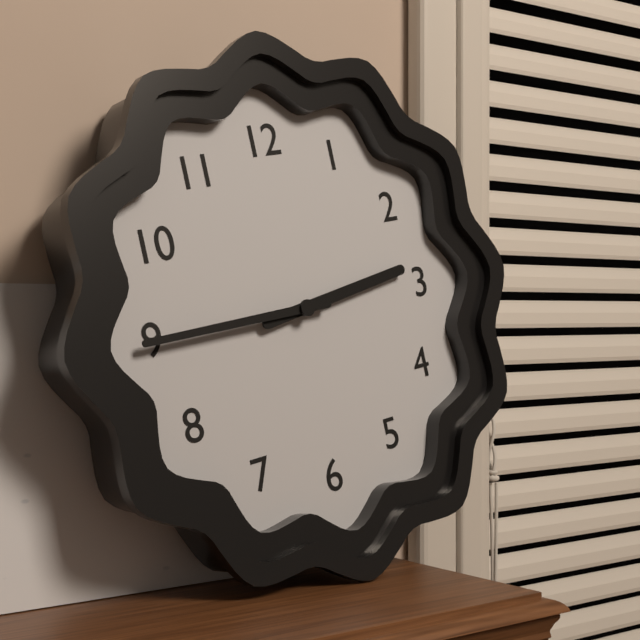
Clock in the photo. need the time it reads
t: 2:45
